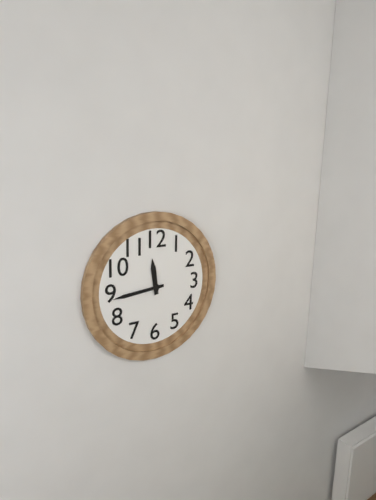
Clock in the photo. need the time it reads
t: 11:44
